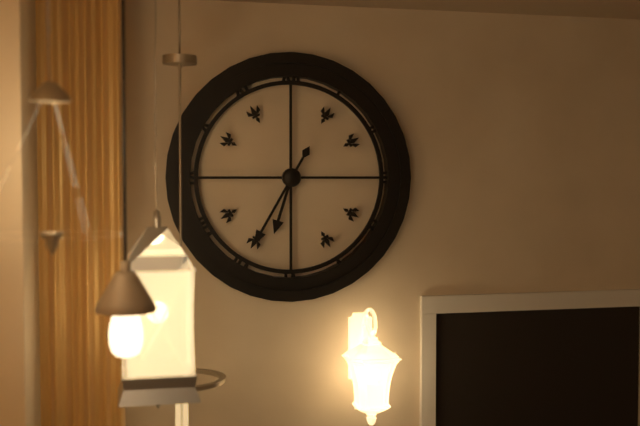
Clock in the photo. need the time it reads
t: 6:35
